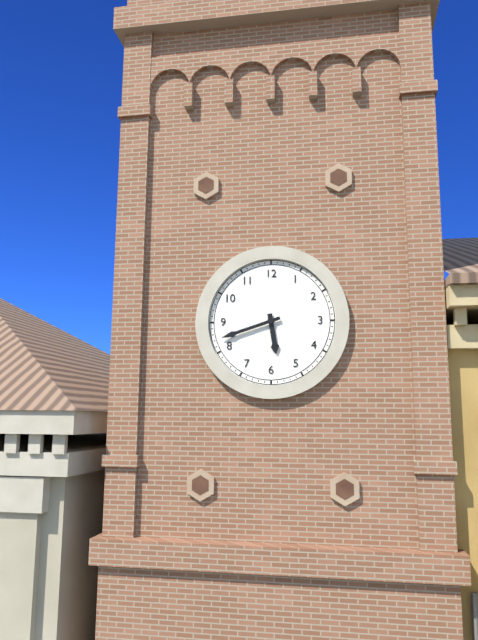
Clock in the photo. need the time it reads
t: 5:42
